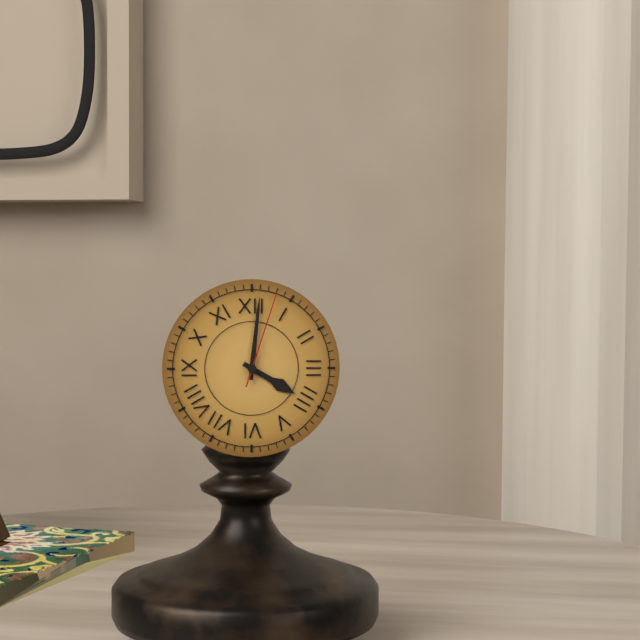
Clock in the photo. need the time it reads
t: 4:01:03
